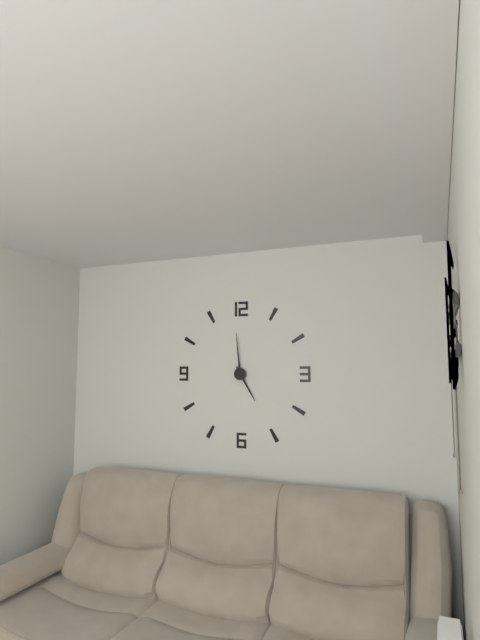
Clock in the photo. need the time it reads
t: 4:59
